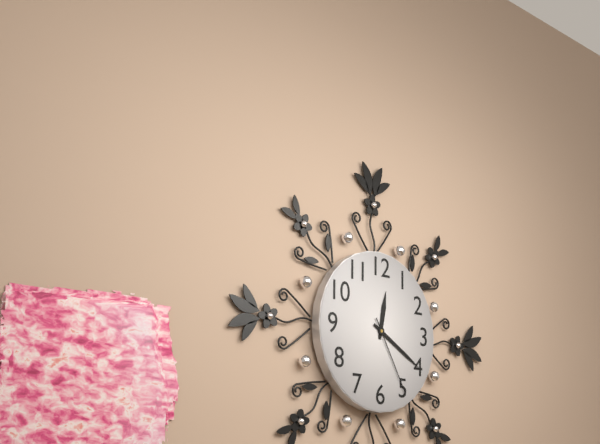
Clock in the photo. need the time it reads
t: 12:20:25
